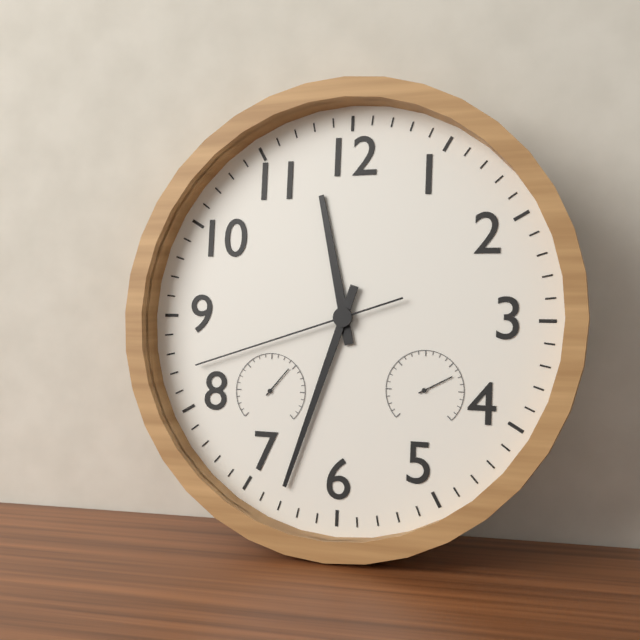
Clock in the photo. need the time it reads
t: 11:33:42
